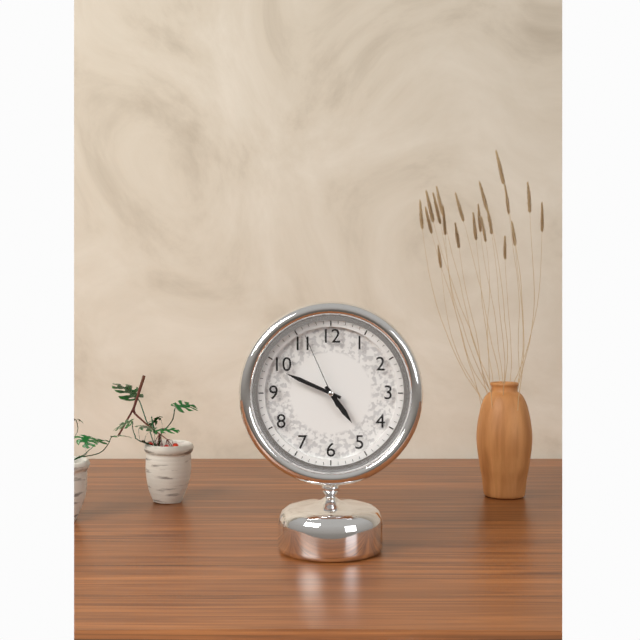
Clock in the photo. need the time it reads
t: 4:49:56
